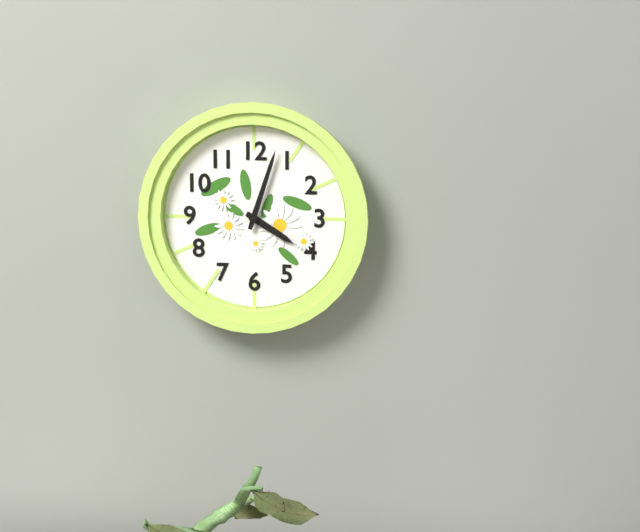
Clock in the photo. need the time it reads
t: 4:03
